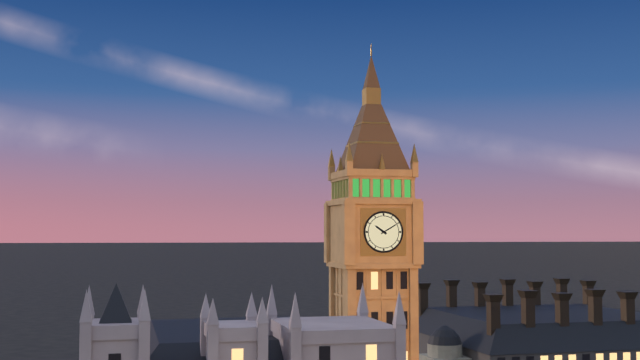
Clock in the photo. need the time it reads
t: 10:10
